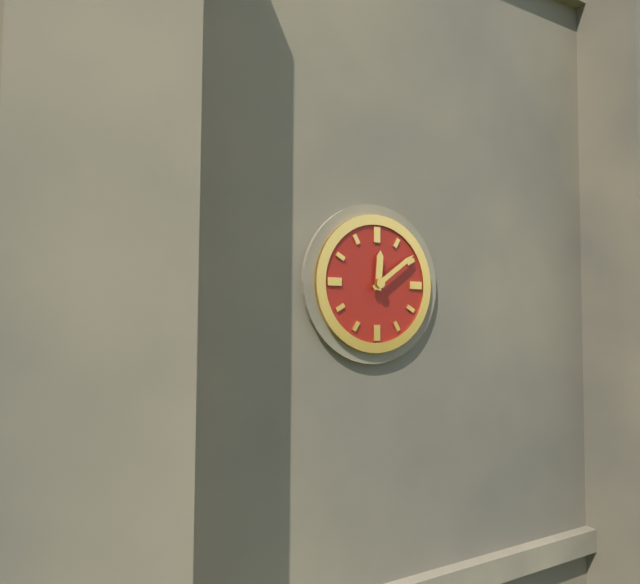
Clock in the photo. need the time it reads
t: 12:09
